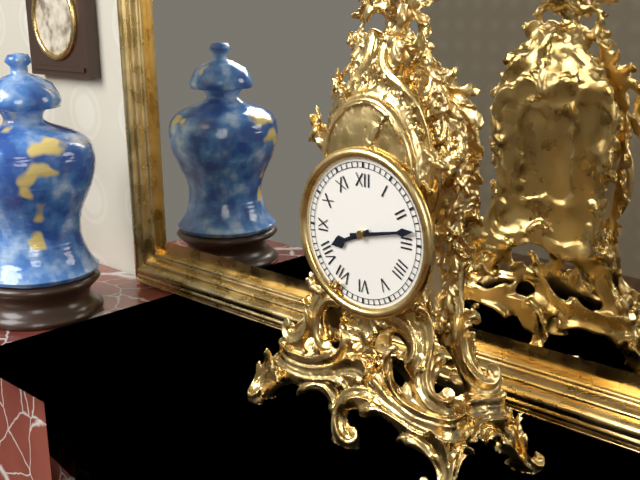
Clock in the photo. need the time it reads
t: 8:13
